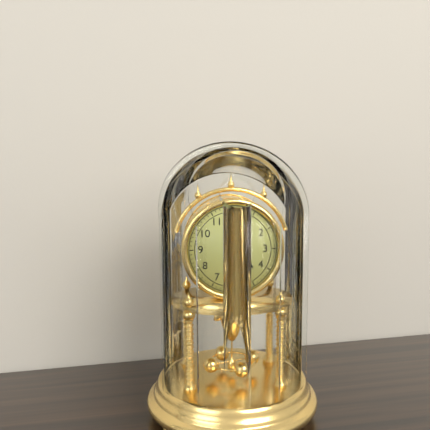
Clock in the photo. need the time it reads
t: 4:27
